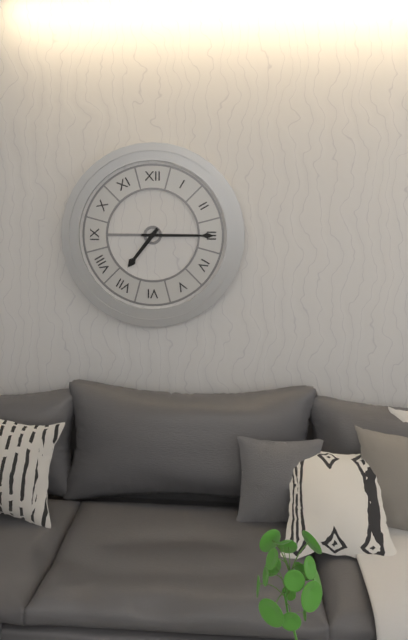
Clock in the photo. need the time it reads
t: 7:15
